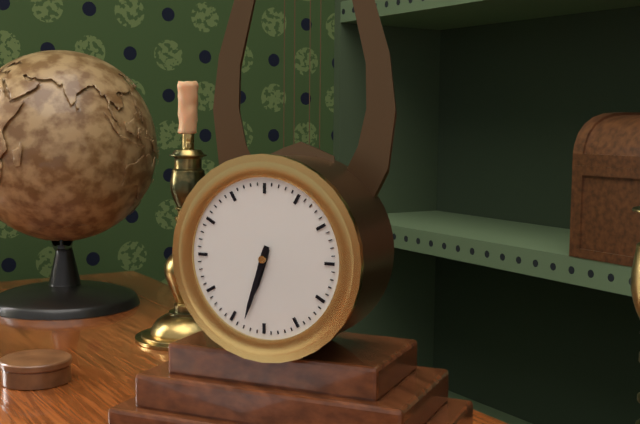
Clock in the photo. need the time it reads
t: 6:33
